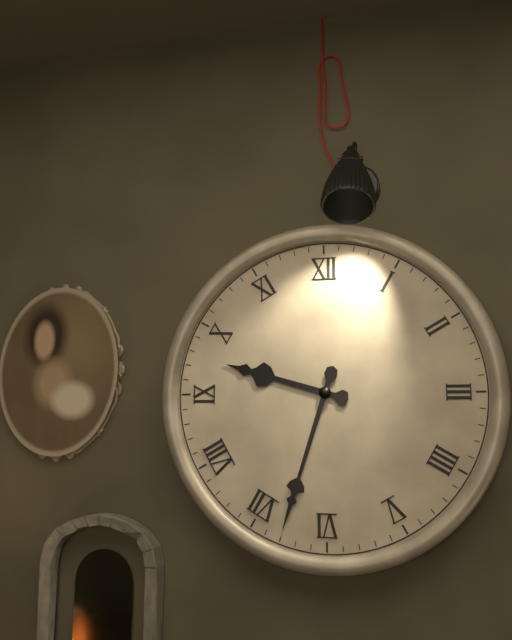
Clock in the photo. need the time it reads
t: 9:33
